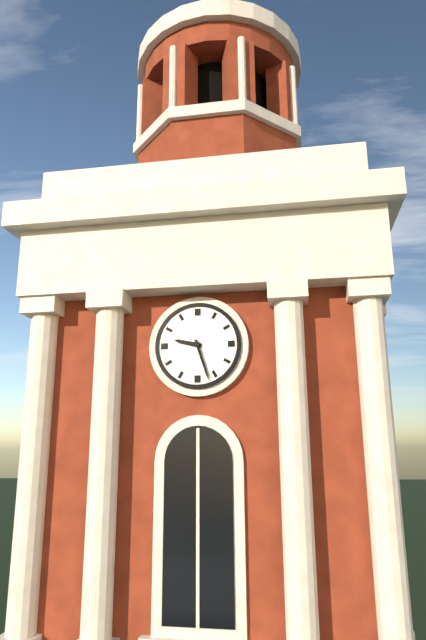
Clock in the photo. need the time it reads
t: 9:27
